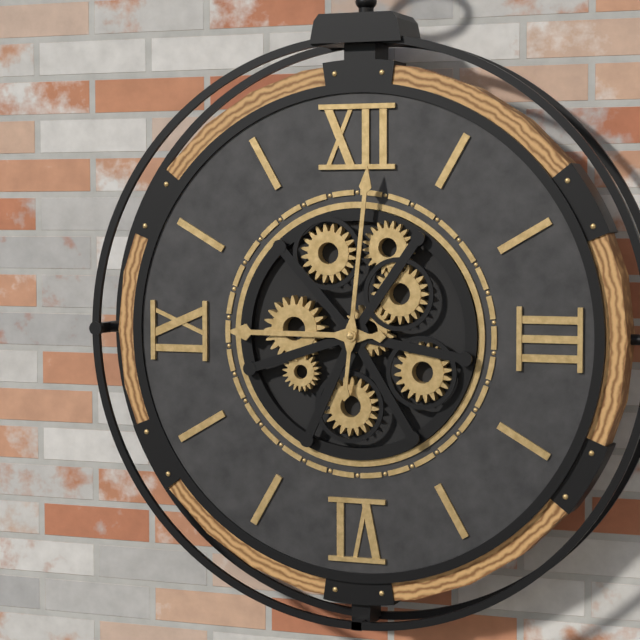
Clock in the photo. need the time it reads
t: 9:01
